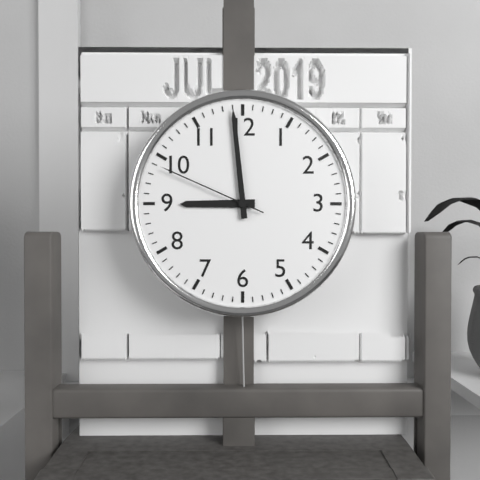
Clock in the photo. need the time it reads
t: 8:59:49
